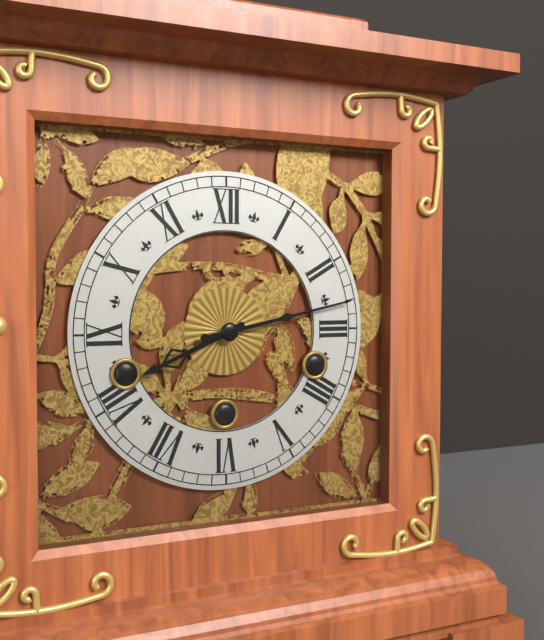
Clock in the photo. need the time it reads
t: 8:13
